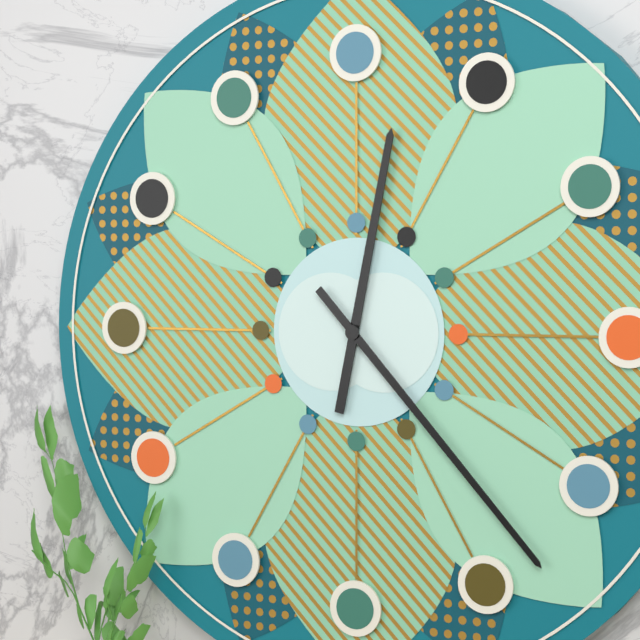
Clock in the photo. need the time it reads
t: 12:23
